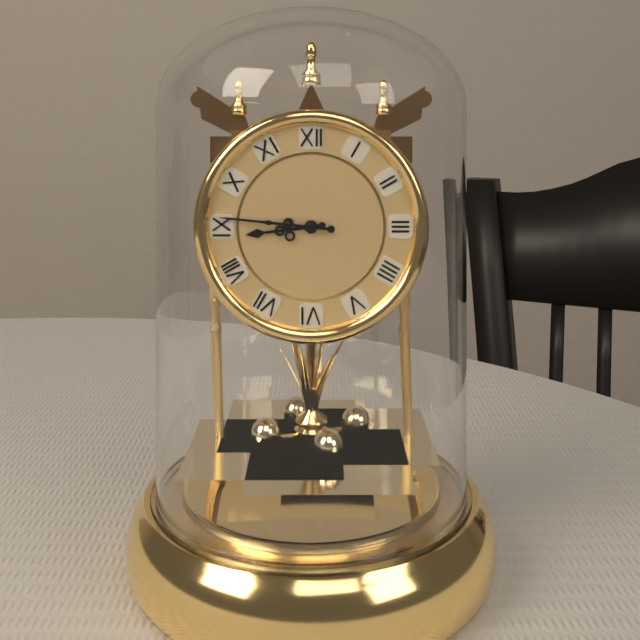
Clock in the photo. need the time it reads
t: 8:46
